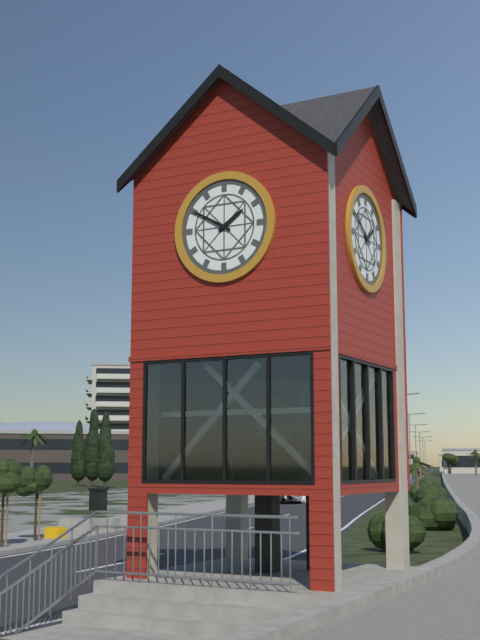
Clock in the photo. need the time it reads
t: 1:50
